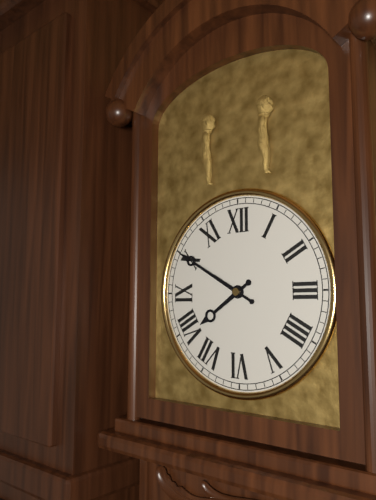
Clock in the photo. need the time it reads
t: 7:50
